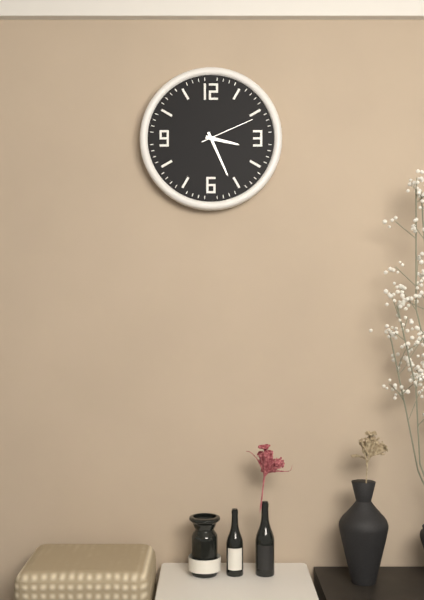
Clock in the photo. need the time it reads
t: 3:26:11
